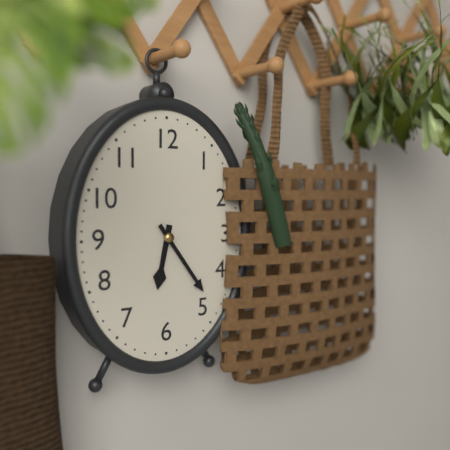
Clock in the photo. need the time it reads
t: 6:24
